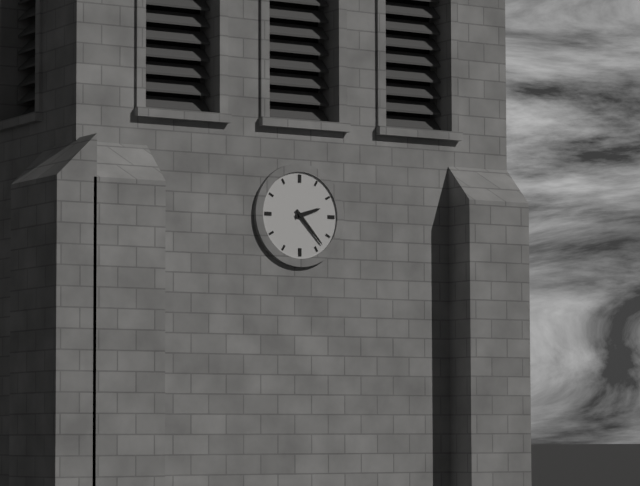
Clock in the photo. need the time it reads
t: 2:23
